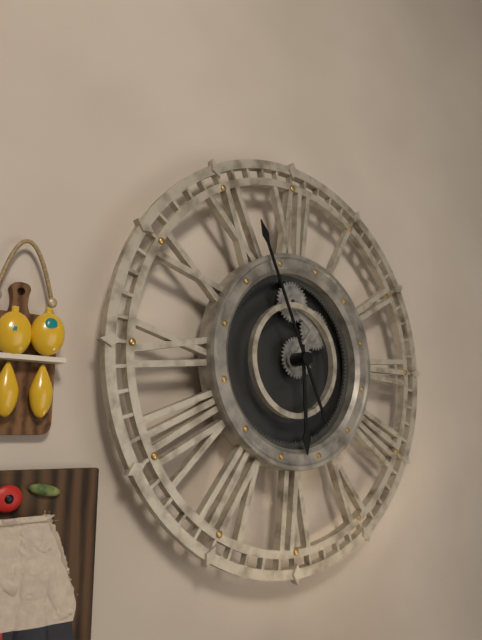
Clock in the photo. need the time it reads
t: 5:56
